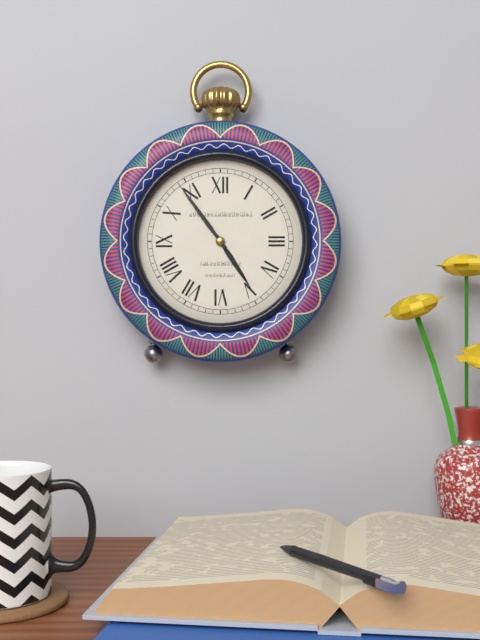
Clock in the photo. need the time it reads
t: 4:54
